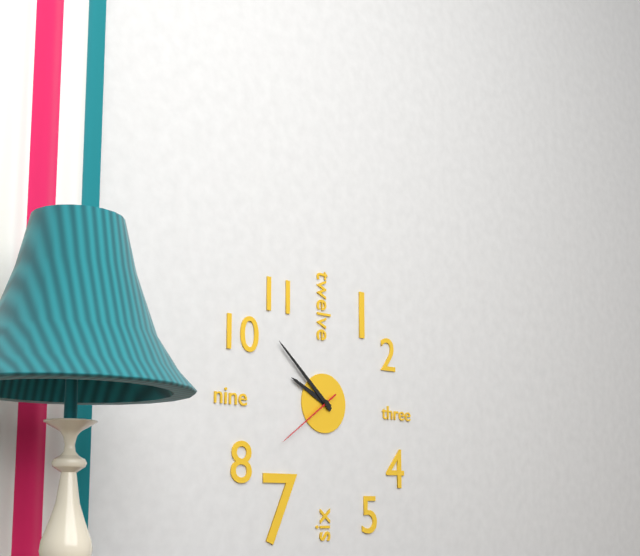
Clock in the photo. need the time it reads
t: 9:52:39
